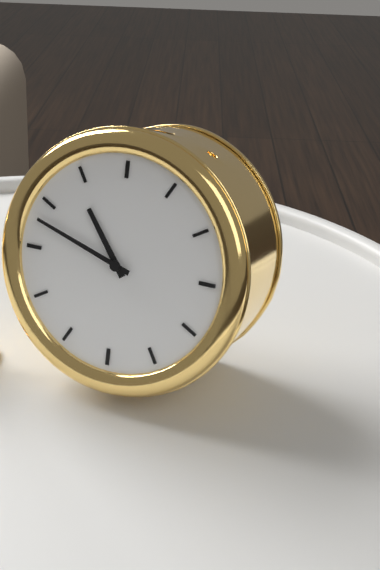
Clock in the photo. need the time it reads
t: 10:48
